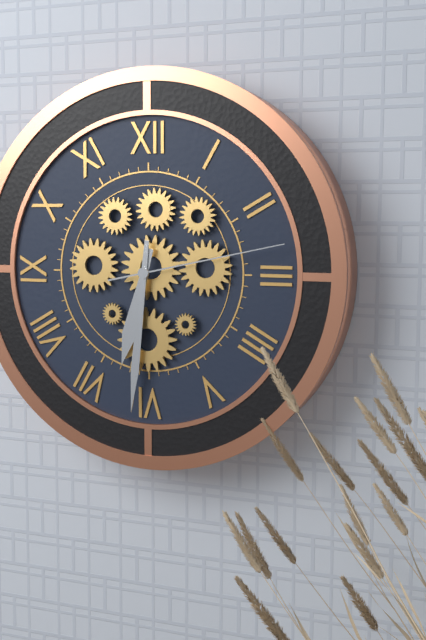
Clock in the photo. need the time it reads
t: 6:31:13
